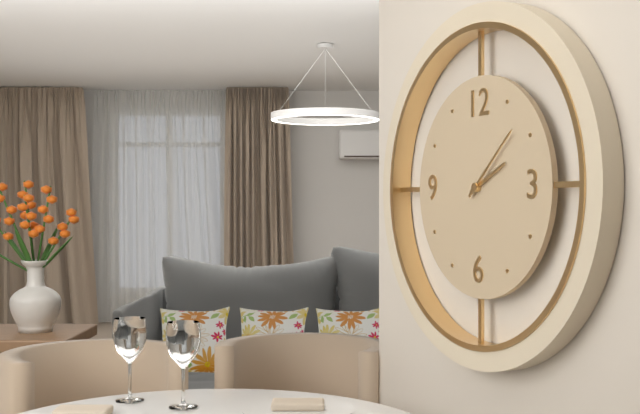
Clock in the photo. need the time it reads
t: 2:08
